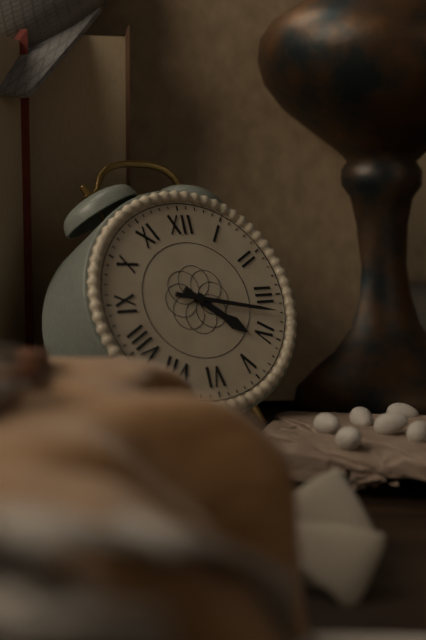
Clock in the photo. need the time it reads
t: 4:17
